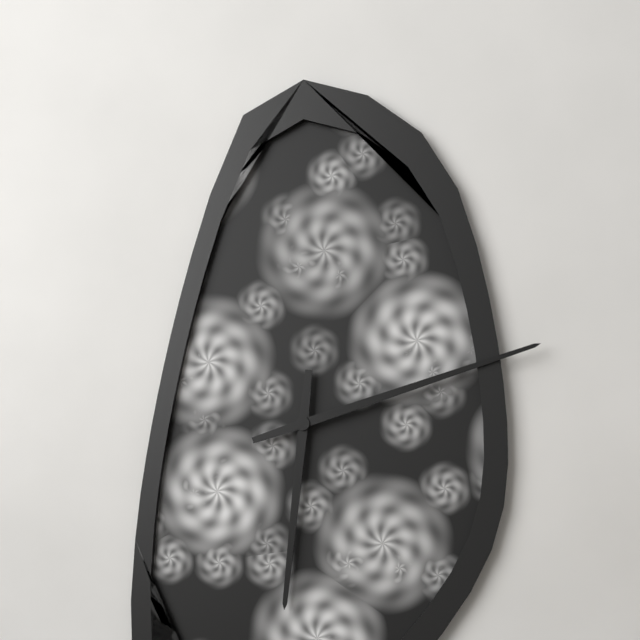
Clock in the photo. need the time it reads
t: 6:12
